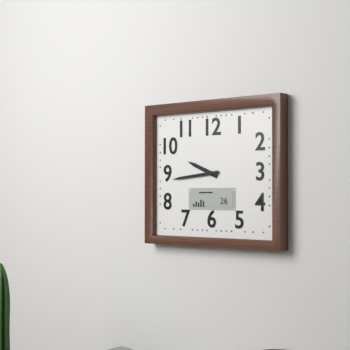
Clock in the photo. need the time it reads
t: 9:44
